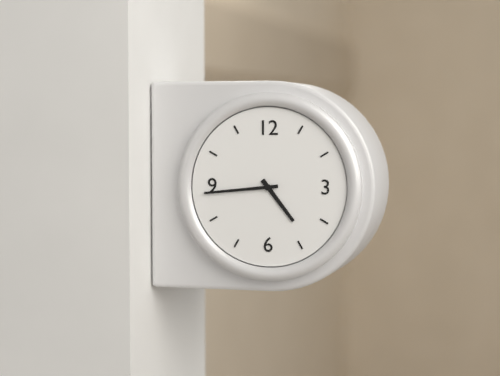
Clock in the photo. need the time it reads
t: 4:44
